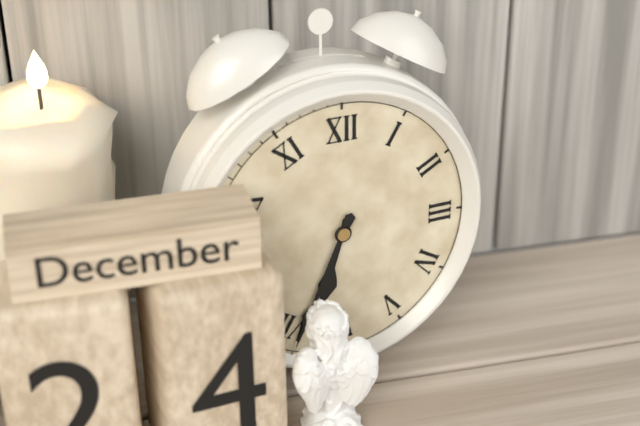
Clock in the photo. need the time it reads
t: 6:34
